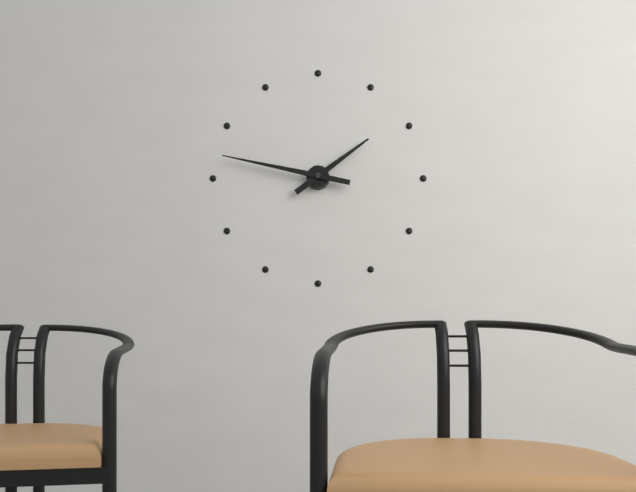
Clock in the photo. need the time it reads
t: 1:47
